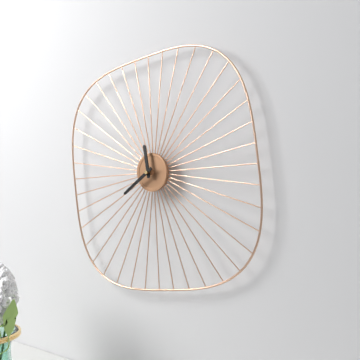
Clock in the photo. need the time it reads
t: 11:39
